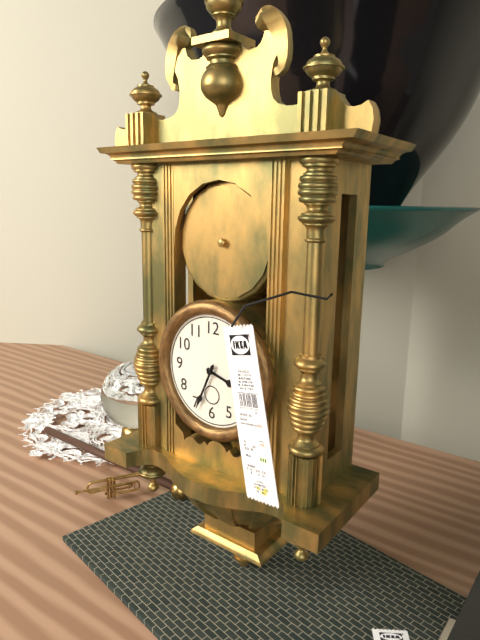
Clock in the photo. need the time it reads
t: 3:34
